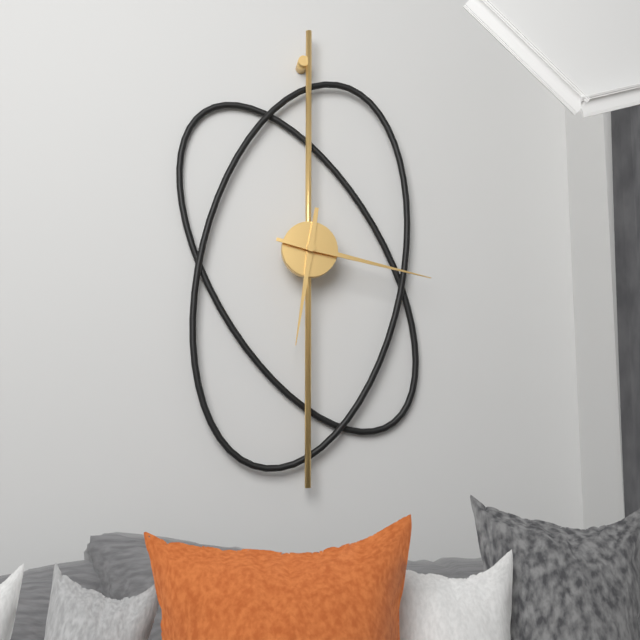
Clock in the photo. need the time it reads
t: 6:17
